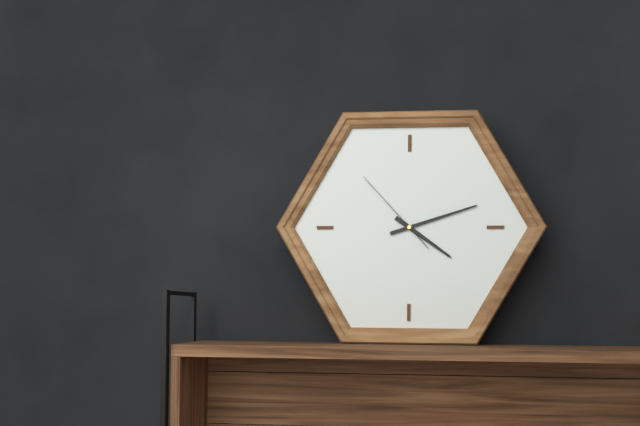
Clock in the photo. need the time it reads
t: 4:12:53
